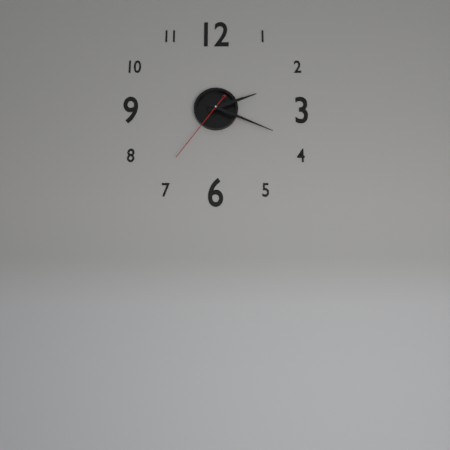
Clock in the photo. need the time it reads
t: 2:19:36
